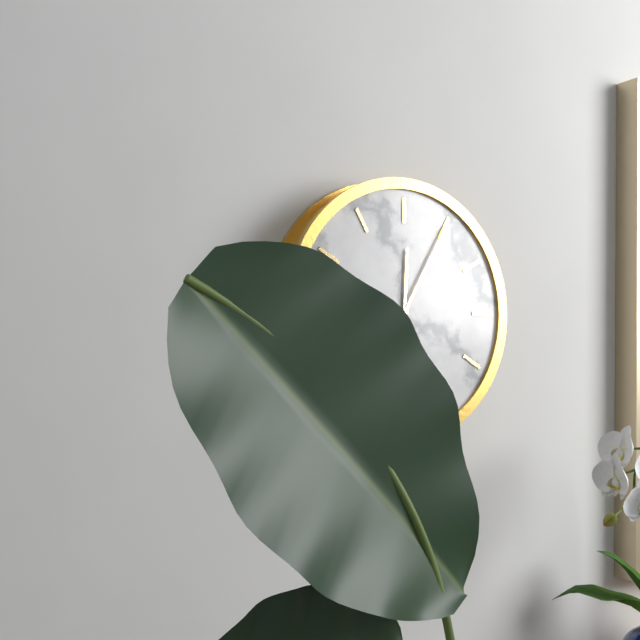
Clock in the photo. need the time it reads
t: 12:05
